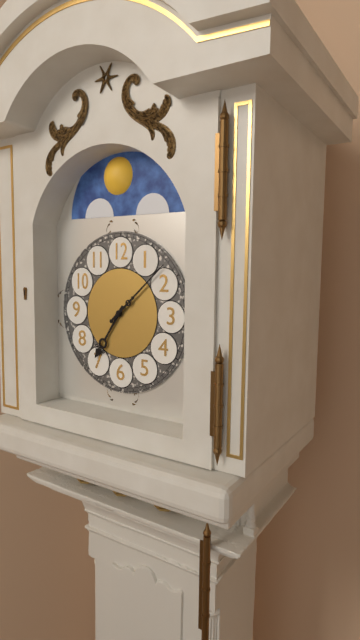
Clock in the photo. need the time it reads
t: 7:08
